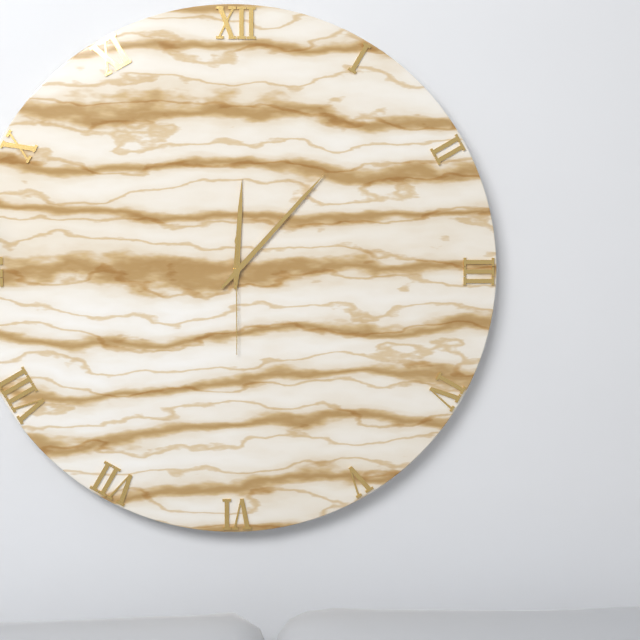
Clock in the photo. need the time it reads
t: 12:07:30
